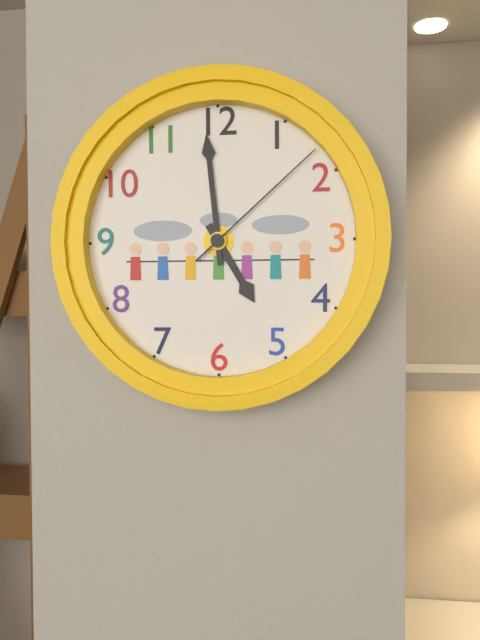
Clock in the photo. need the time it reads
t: 4:59:08
